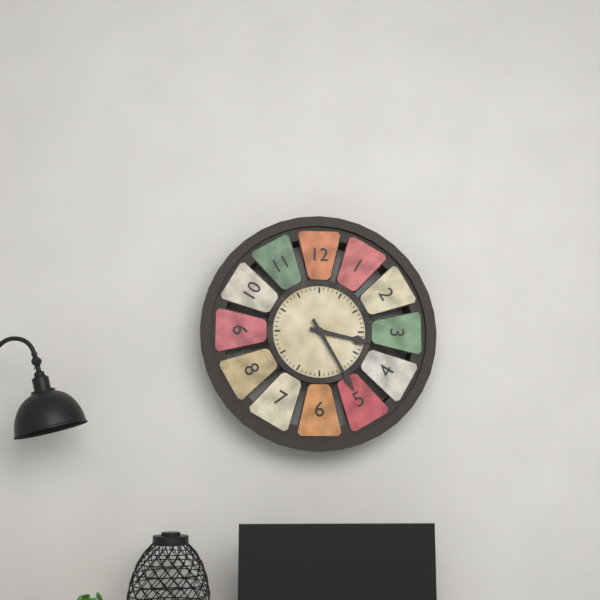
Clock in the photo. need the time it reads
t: 3:25
